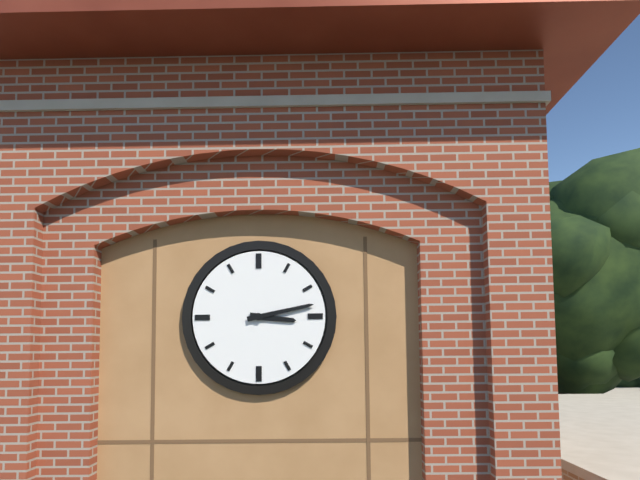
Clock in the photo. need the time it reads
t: 3:13
